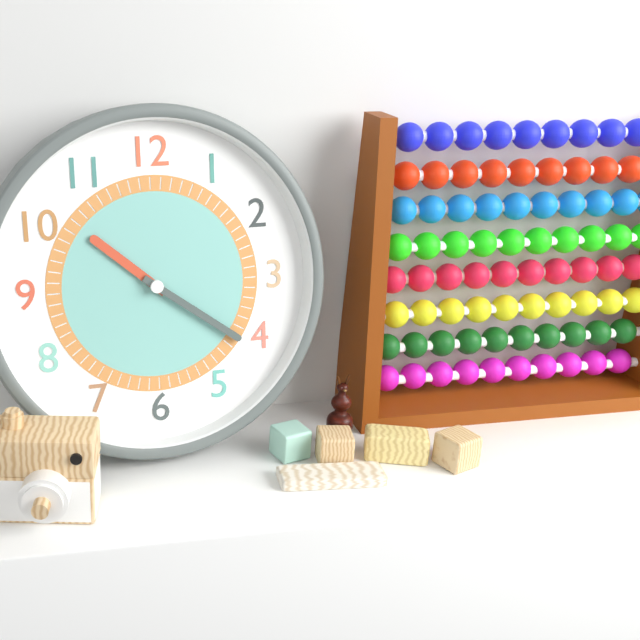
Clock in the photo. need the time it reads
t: 10:21
